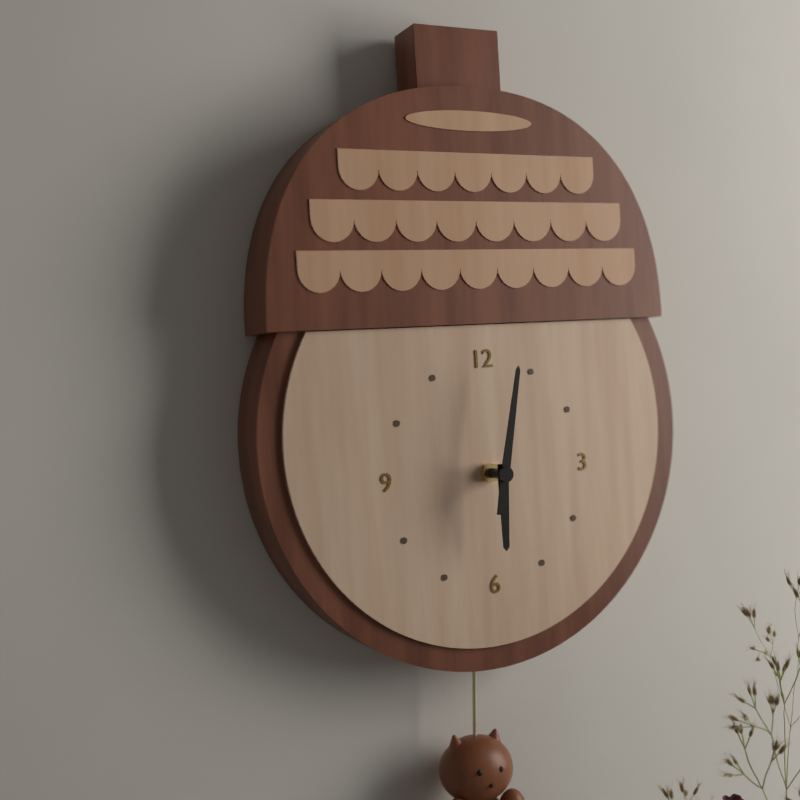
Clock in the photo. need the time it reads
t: 6:02
